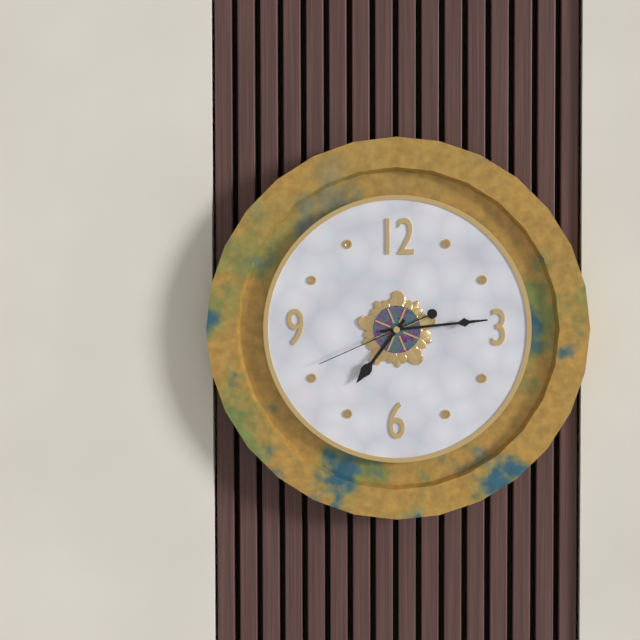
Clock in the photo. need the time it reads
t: 7:14:41
